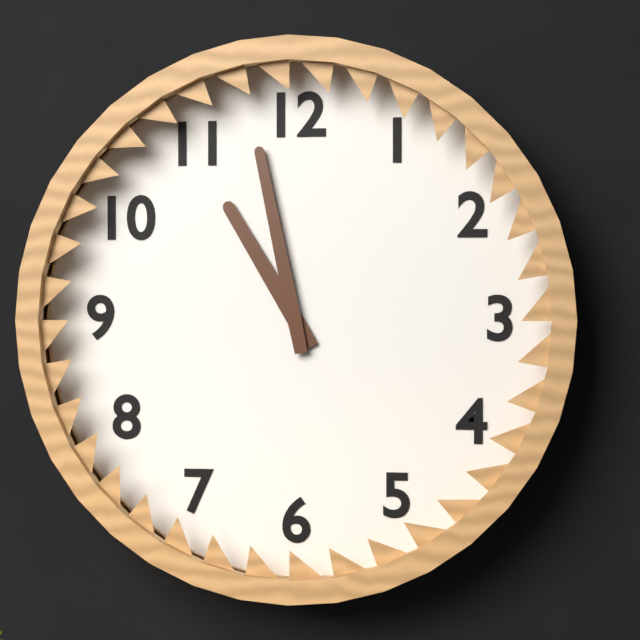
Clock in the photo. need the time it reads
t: 10:58
